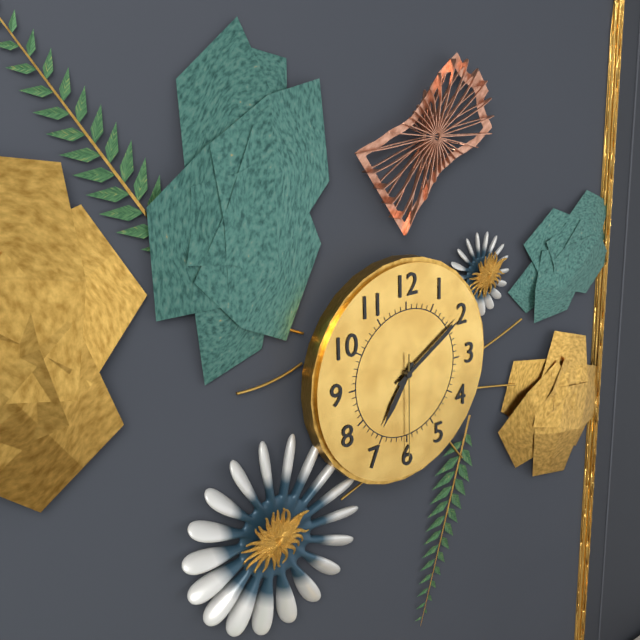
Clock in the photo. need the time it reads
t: 7:10:30
